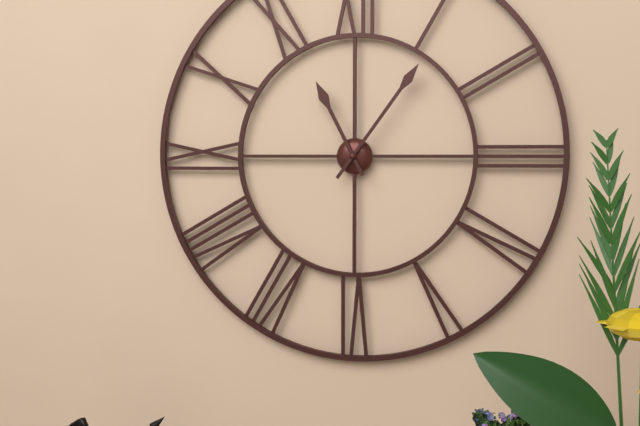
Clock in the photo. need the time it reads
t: 11:06
